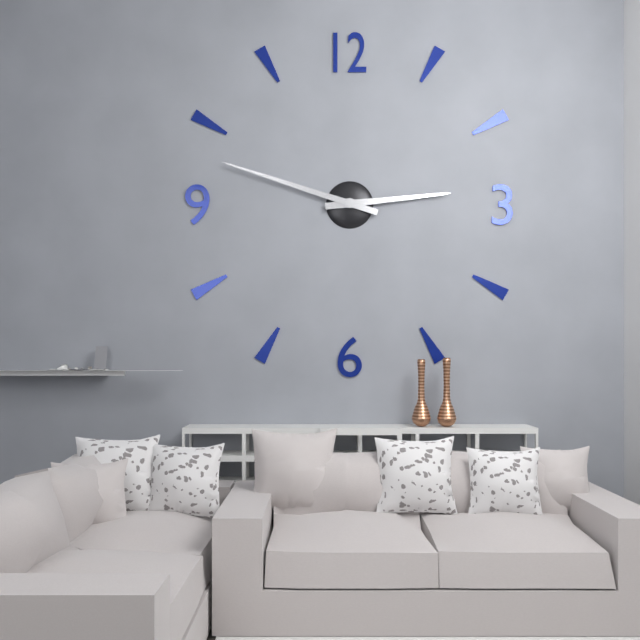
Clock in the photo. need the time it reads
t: 2:48
